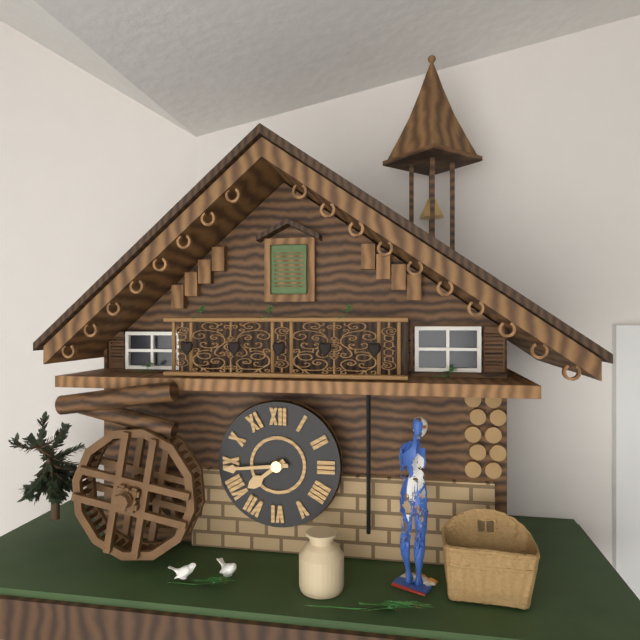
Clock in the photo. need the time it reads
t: 7:44
